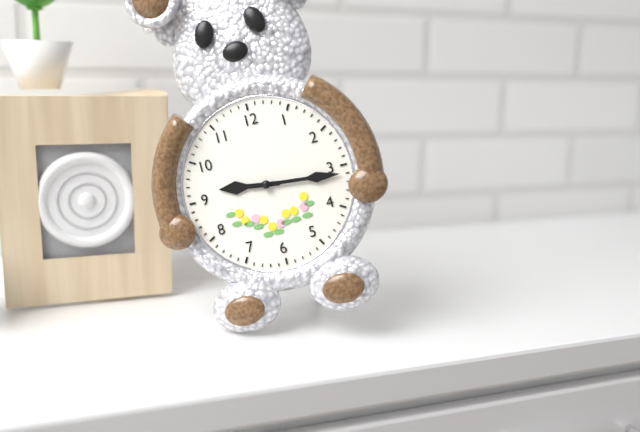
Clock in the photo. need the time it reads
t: 9:16
